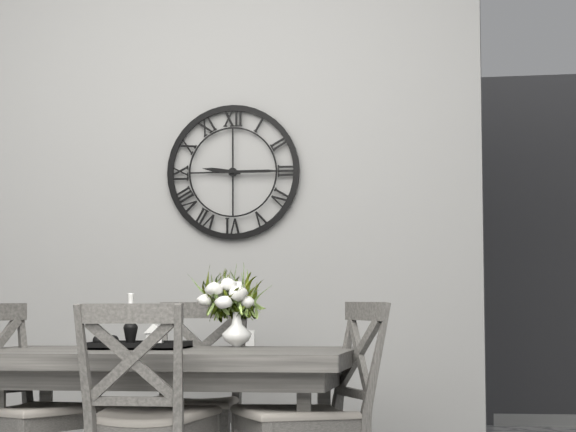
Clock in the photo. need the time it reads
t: 9:15
